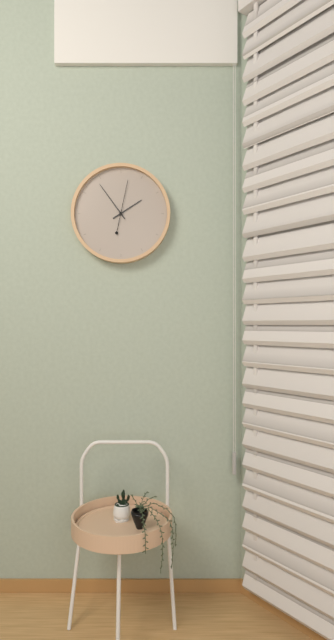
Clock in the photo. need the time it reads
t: 1:54
